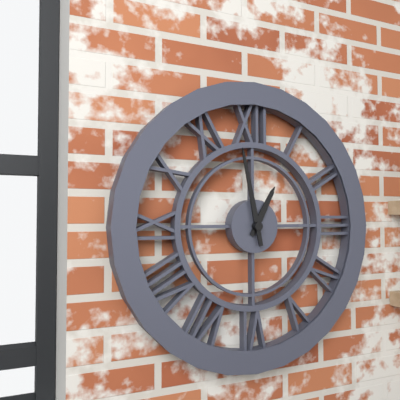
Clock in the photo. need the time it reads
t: 12:58
